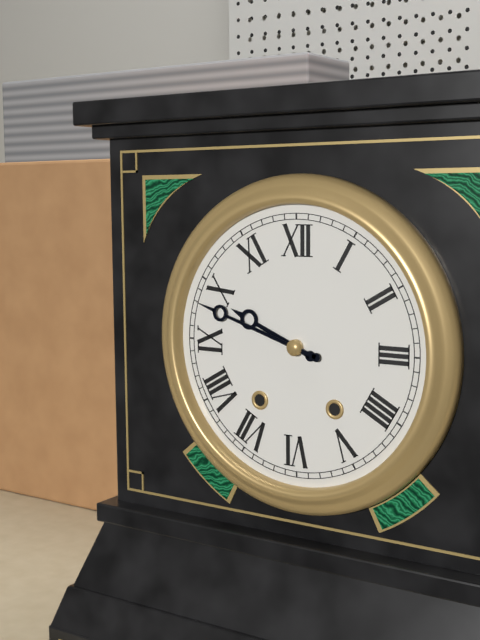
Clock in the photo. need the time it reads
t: 9:48
